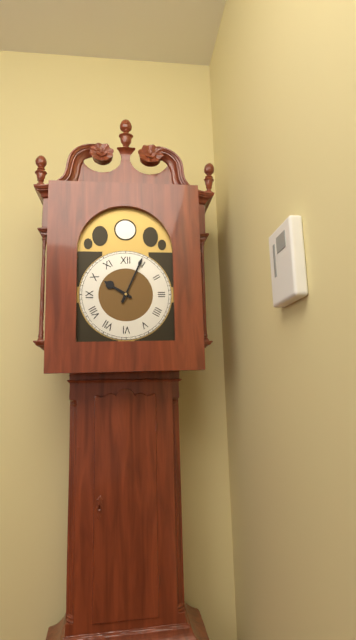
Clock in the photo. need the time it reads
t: 10:04
